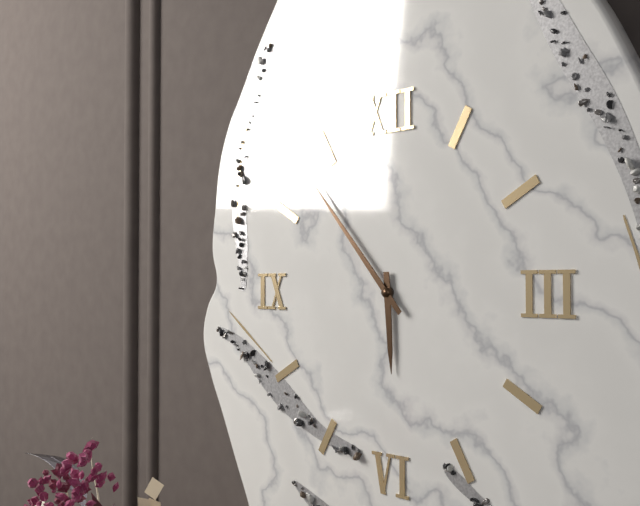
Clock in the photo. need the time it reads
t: 5:53
